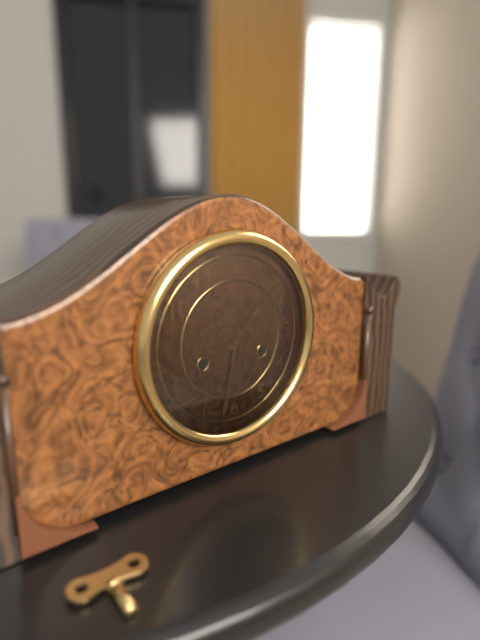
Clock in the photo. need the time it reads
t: 1:32
